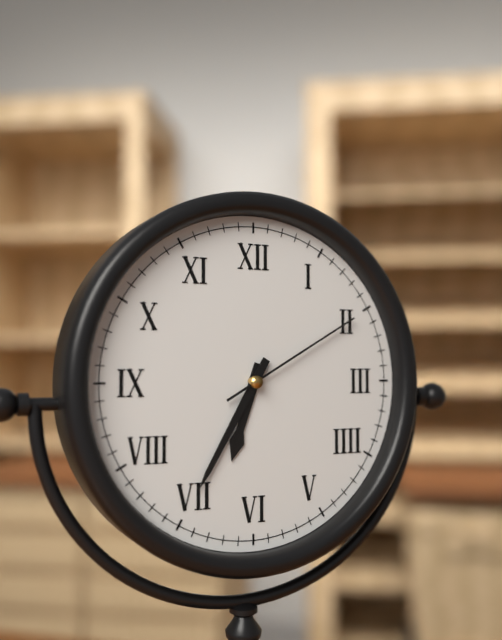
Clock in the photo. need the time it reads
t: 6:35:10
